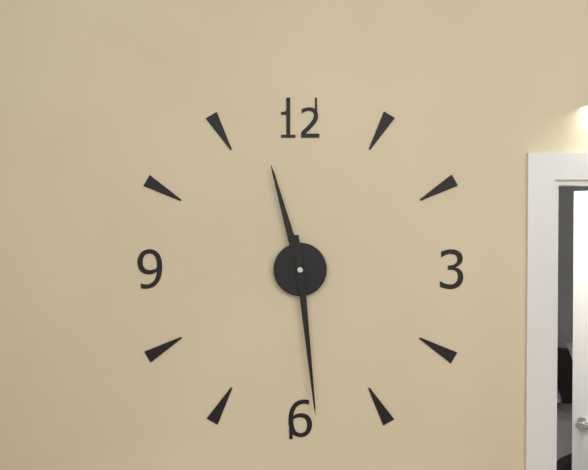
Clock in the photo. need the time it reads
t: 11:29
